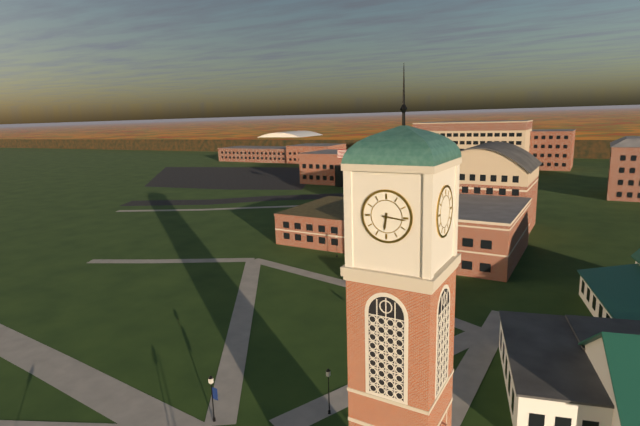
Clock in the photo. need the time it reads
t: 6:16
